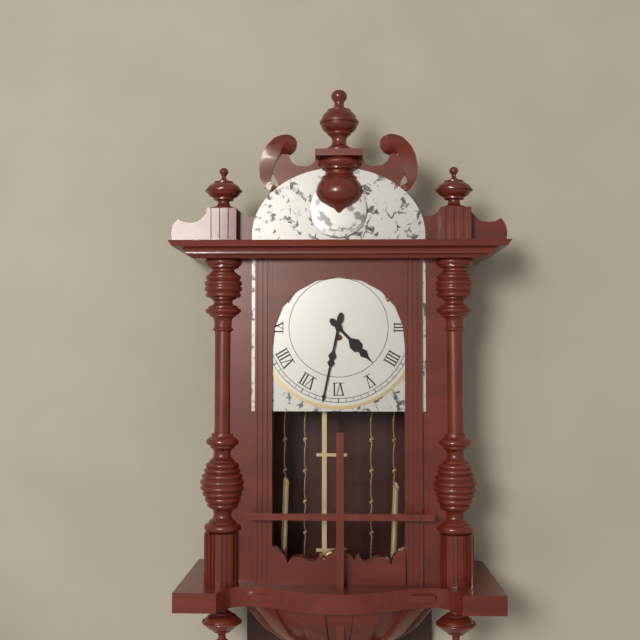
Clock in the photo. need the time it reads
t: 4:32
